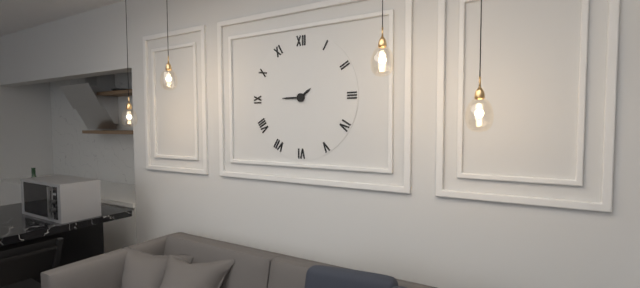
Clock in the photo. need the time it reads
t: 1:45
